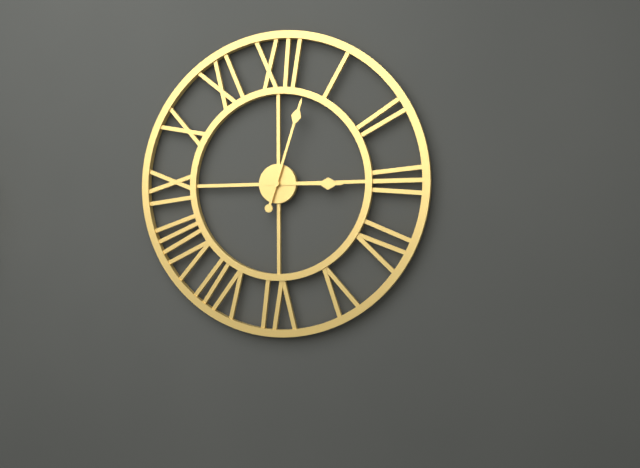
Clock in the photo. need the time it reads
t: 3:03
